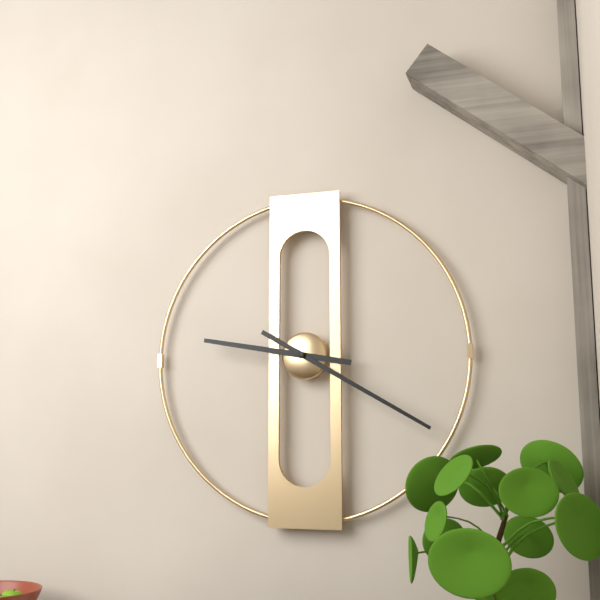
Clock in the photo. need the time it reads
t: 9:20
